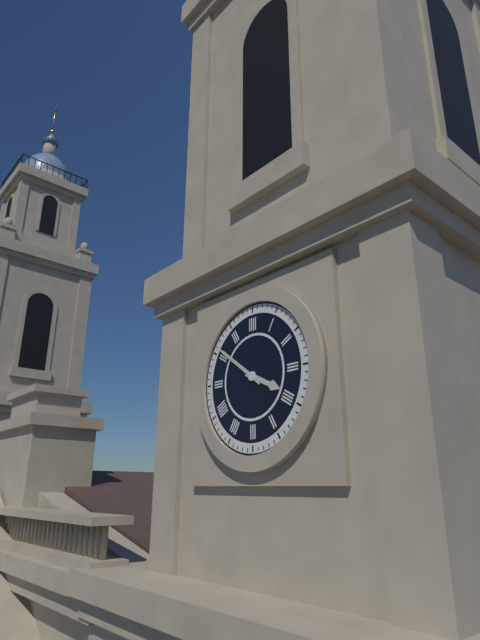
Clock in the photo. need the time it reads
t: 3:51
